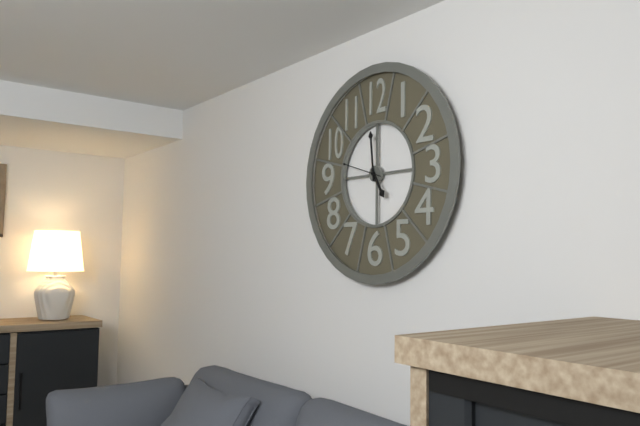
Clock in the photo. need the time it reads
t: 4:59
